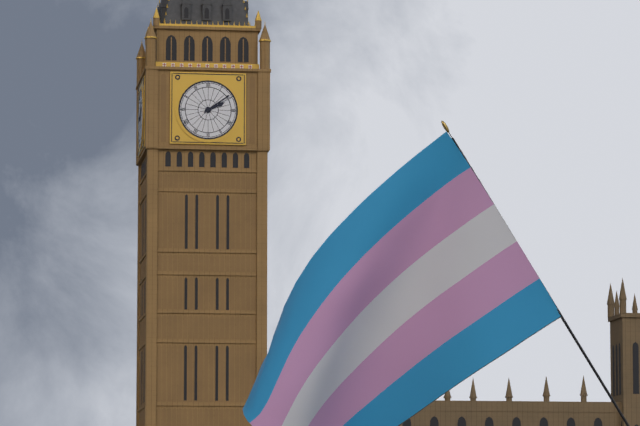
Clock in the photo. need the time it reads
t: 2:09
